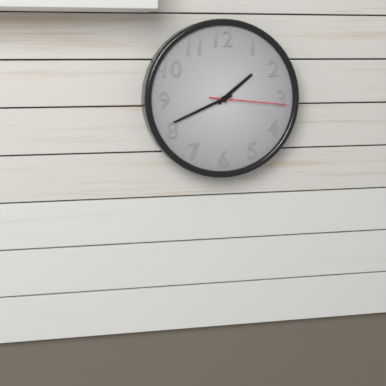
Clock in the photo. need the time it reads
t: 1:41:16
